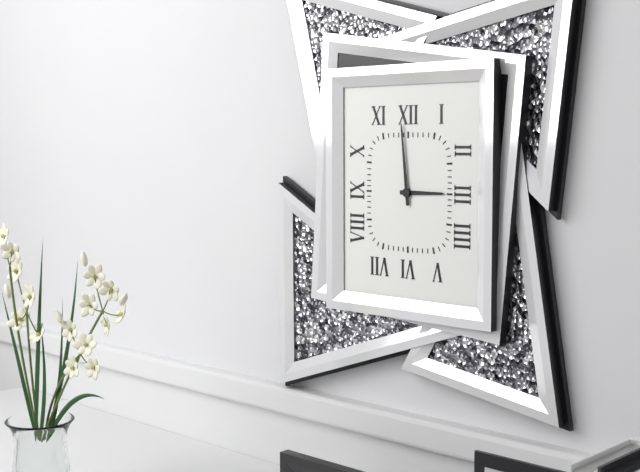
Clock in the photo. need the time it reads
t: 2:59
